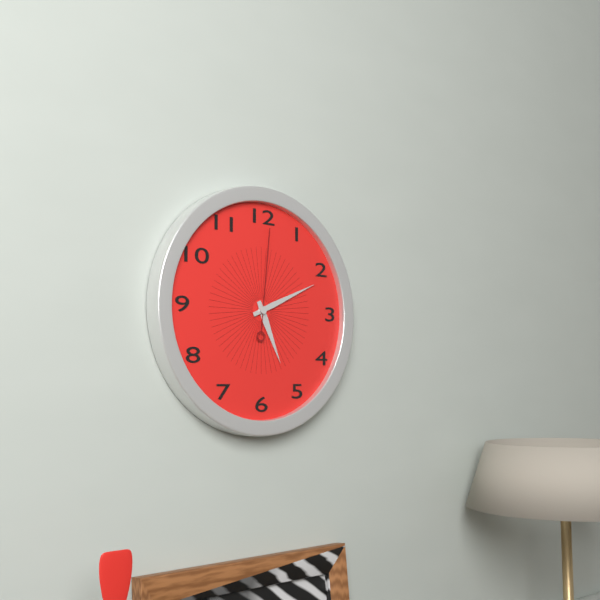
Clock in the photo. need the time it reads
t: 5:11:01
